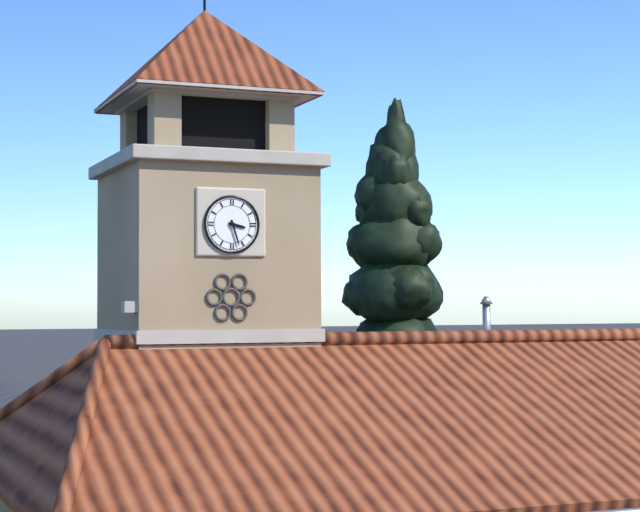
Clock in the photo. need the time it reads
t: 3:27
